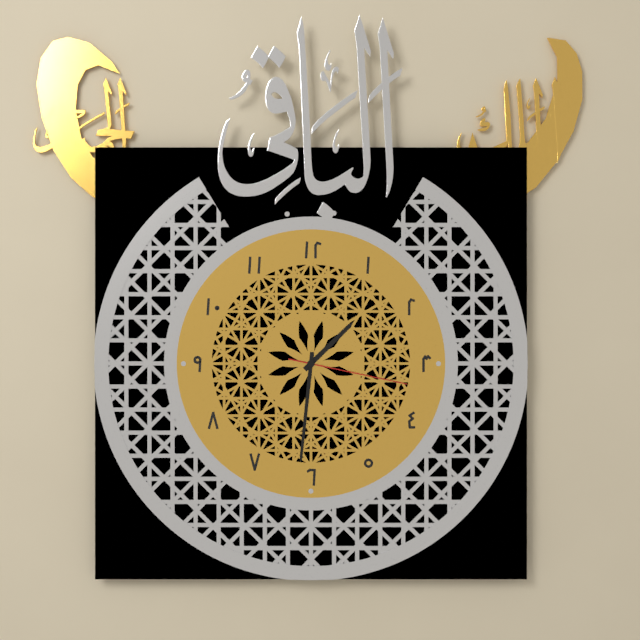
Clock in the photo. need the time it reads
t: 1:31:17
